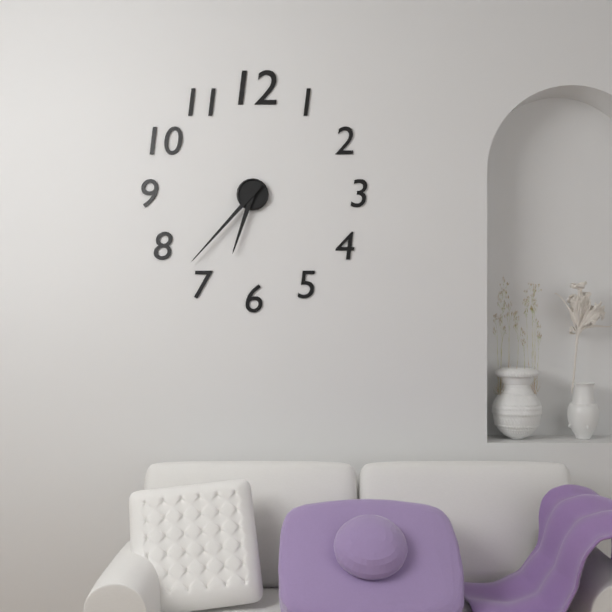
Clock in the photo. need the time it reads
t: 6:37
